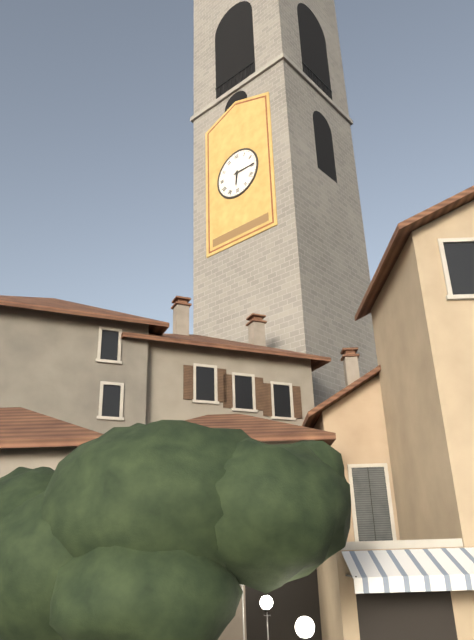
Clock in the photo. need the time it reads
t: 6:15
